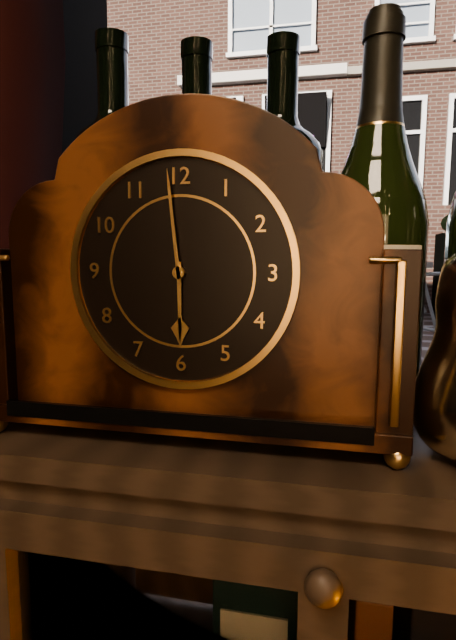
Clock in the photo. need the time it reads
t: 5:59
